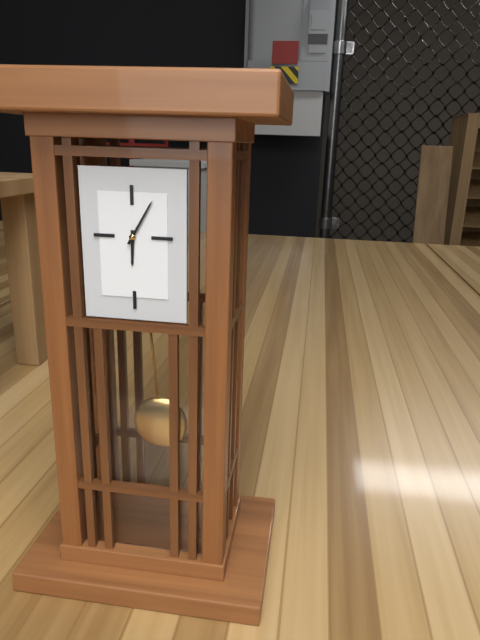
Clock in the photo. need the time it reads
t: 6:05
